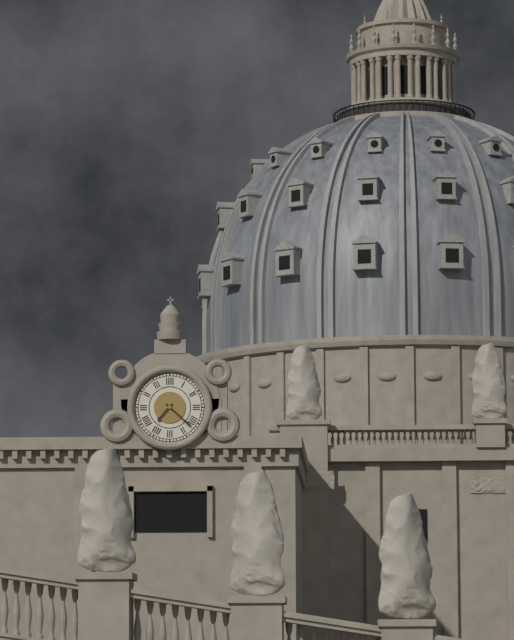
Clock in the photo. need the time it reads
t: 7:22
